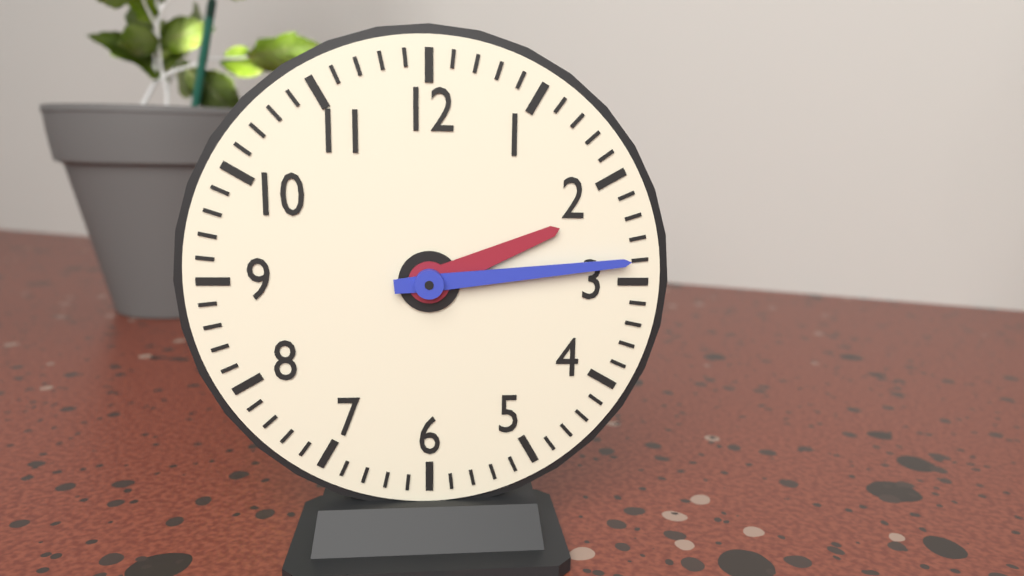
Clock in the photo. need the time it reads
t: 2:14
